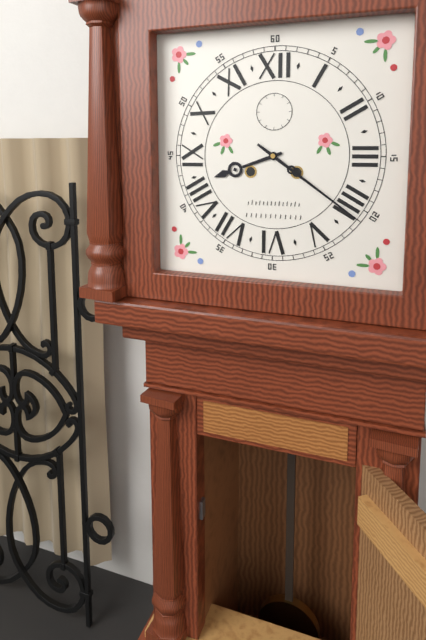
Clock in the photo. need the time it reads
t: 8:21
